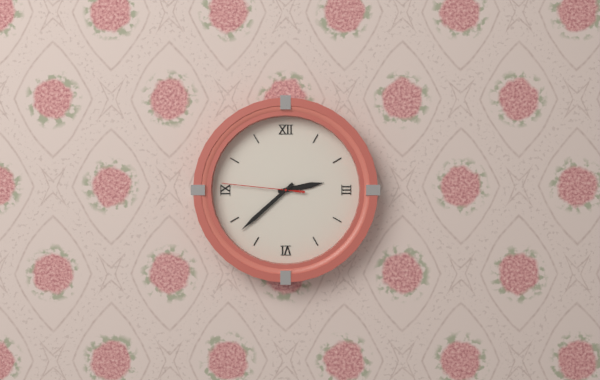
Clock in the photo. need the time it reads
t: 2:38:46
